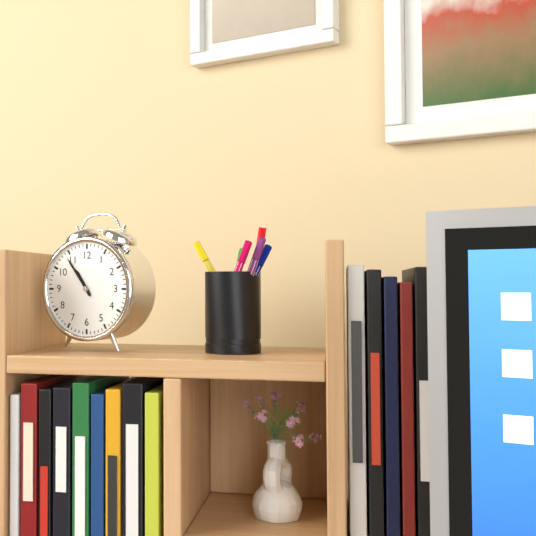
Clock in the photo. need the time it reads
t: 10:54
